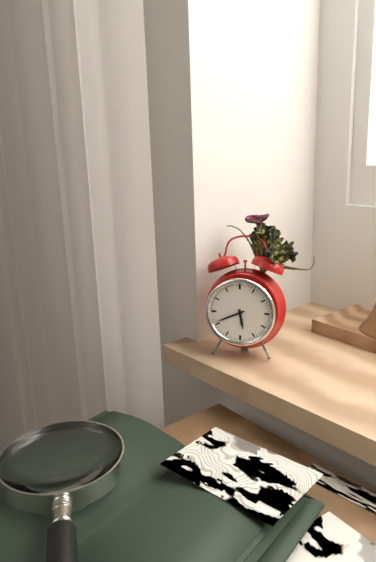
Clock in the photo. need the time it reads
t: 5:41
